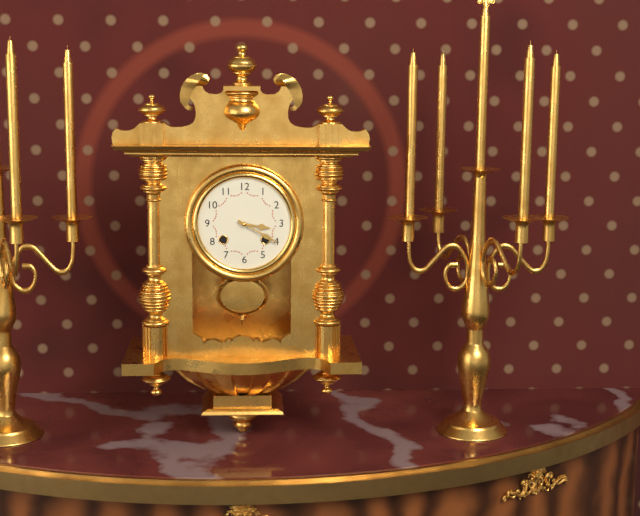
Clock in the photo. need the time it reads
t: 3:20
